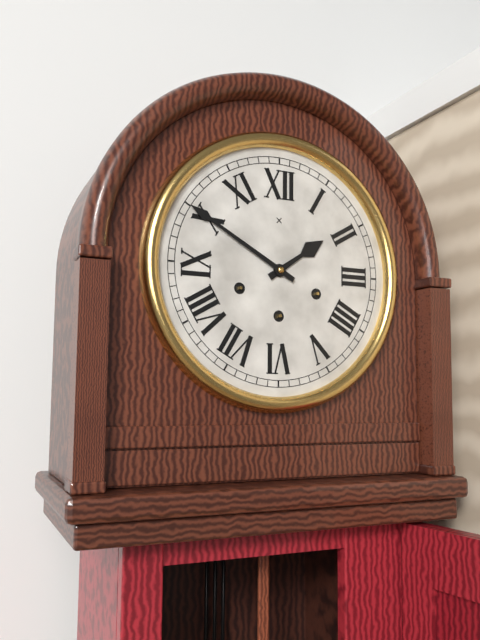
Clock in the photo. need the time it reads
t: 1:50
